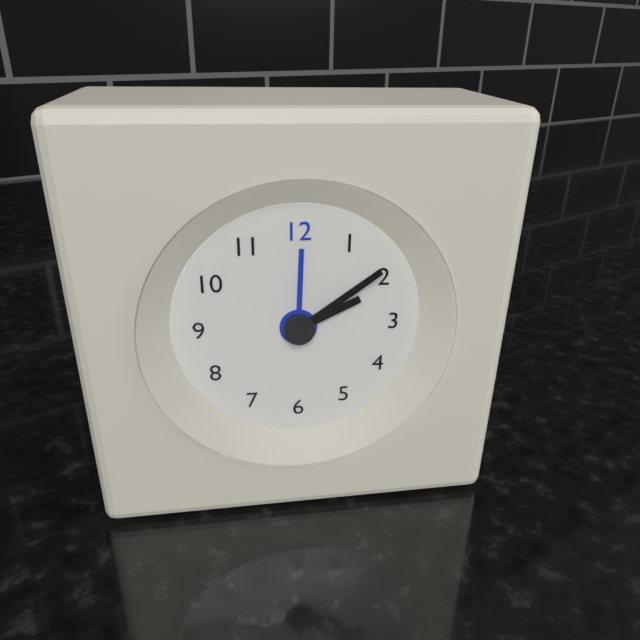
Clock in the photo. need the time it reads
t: 2:09
